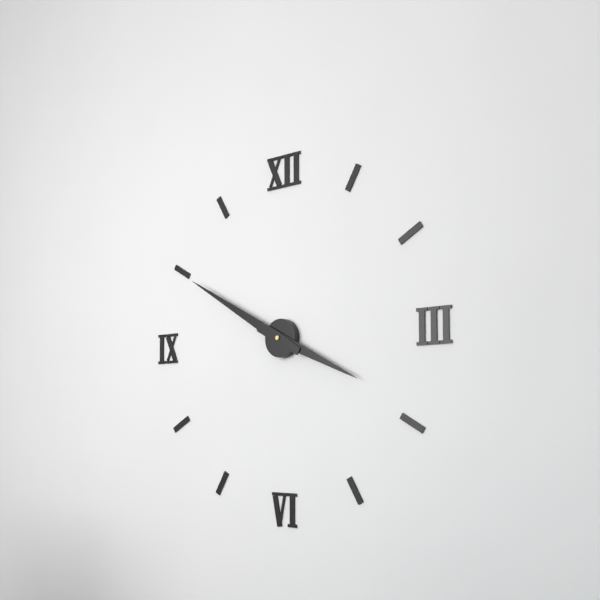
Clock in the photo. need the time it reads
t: 3:50
